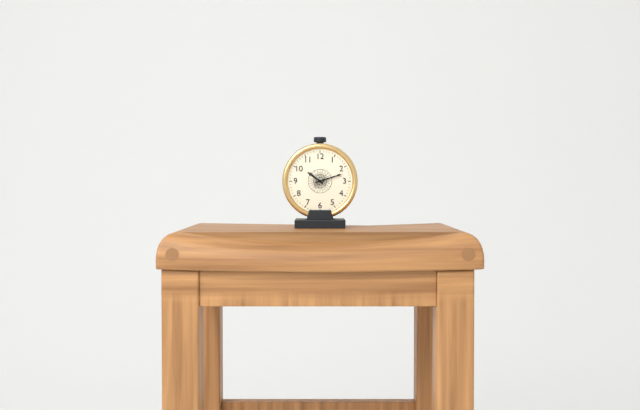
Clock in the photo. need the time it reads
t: 10:12
